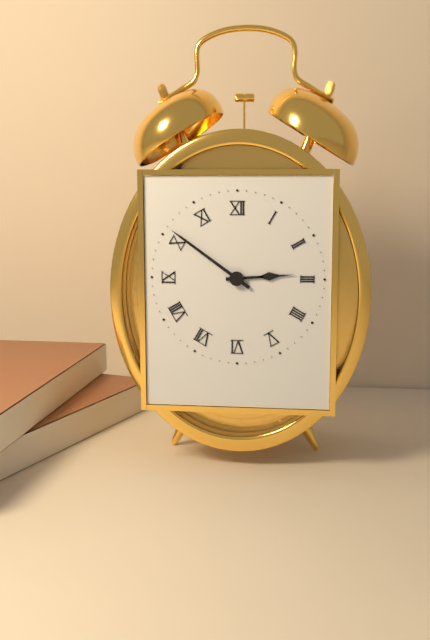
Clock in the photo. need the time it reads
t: 2:51
